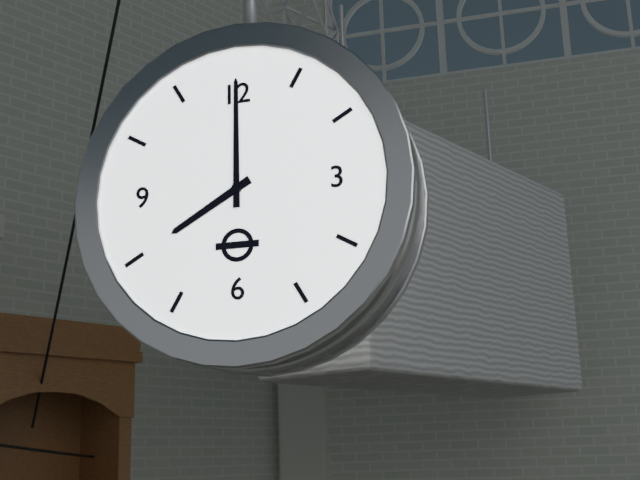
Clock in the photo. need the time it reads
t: 8:00
